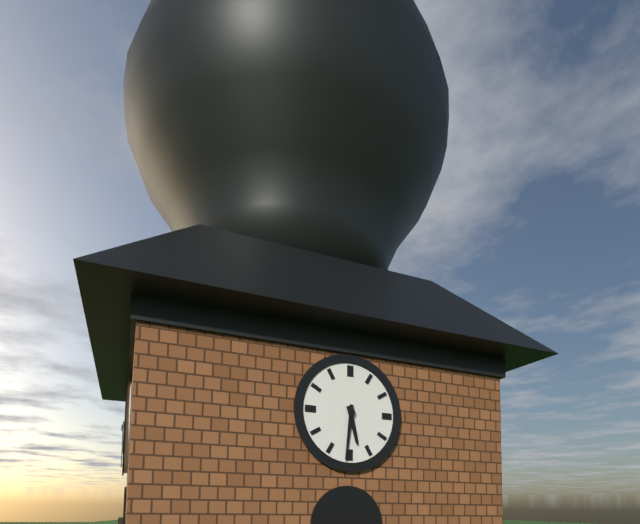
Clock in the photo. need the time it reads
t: 5:31
